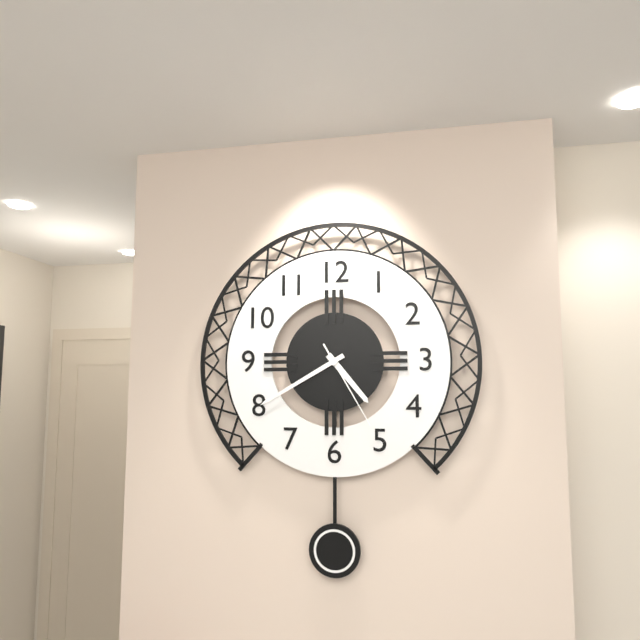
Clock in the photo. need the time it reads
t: 4:40:25
